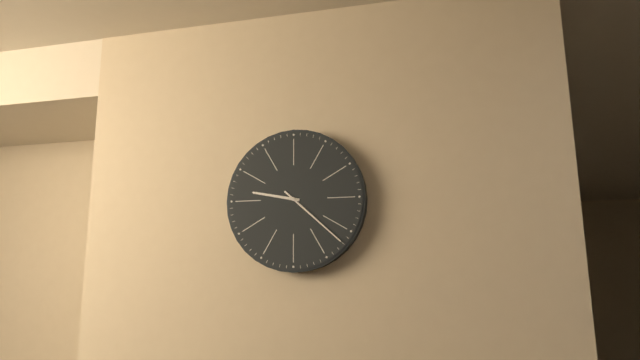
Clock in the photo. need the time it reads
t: 9:22
